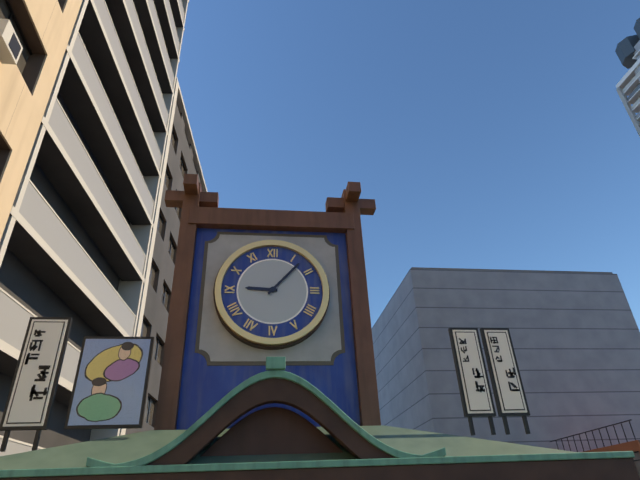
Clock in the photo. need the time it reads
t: 9:07
